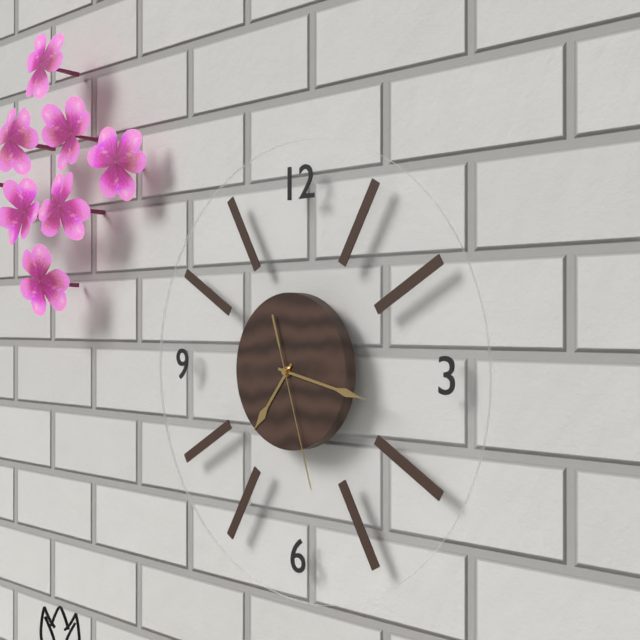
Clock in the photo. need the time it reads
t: 7:17:27
